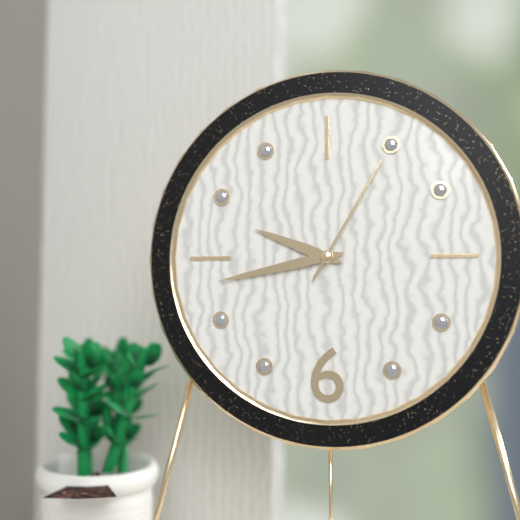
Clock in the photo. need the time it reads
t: 9:43:05
